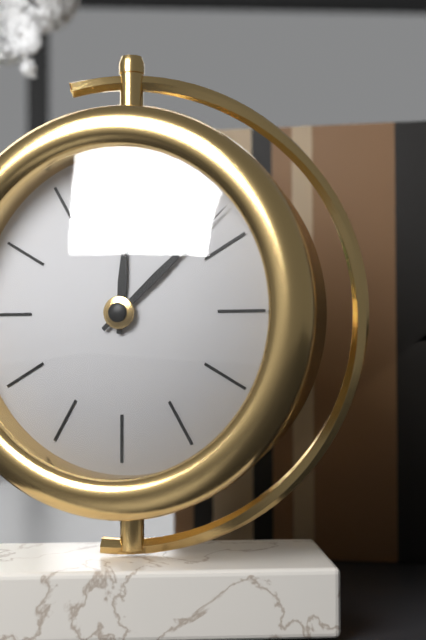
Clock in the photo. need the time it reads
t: 12:08
